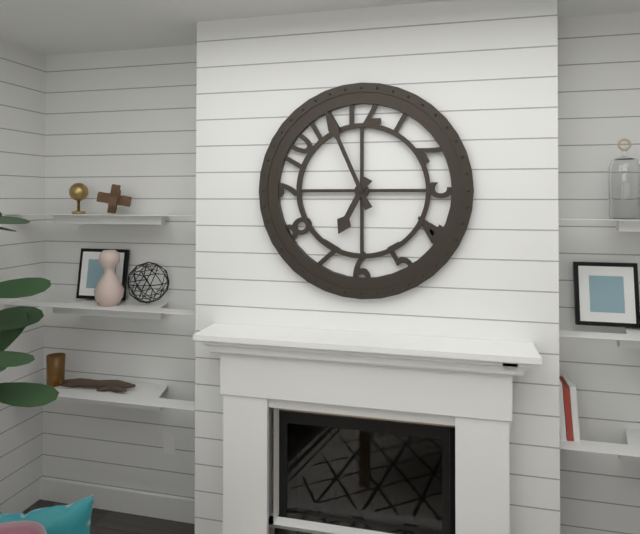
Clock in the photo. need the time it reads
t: 6:56
